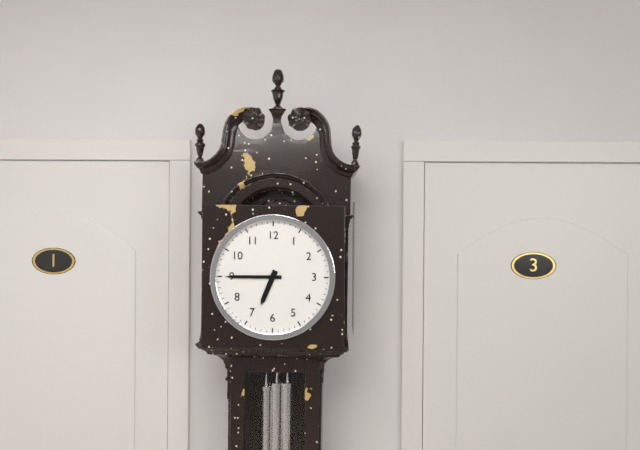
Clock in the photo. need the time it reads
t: 6:45
